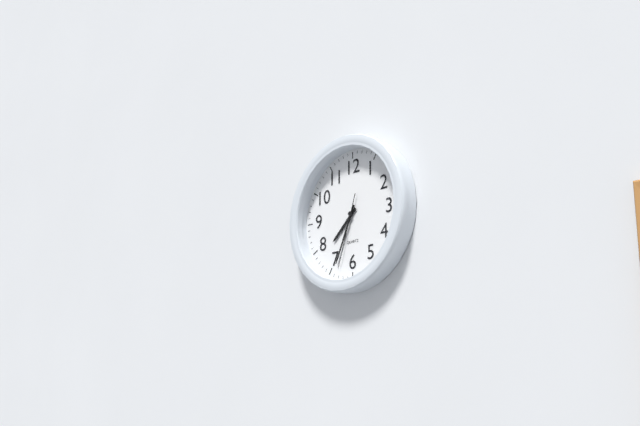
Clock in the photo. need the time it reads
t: 7:34:33
